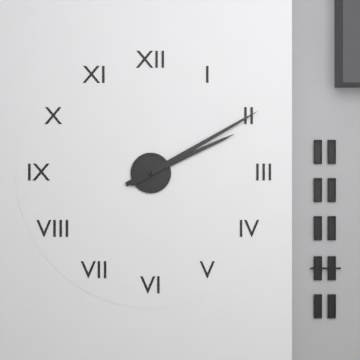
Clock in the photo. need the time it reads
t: 2:10
